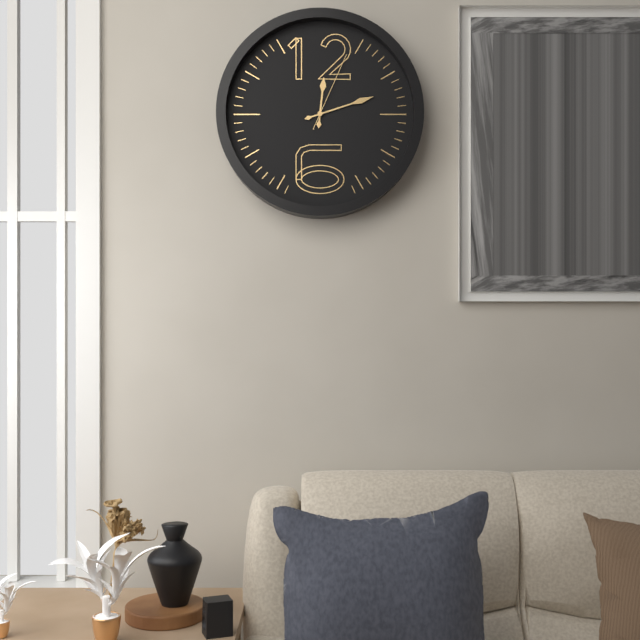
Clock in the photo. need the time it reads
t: 12:12:04
